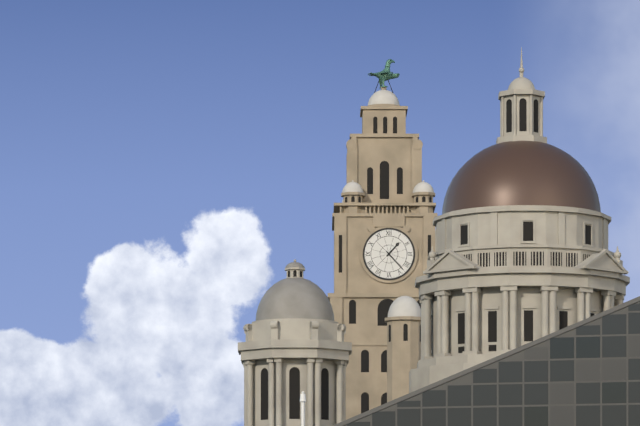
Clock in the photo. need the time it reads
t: 1:23
